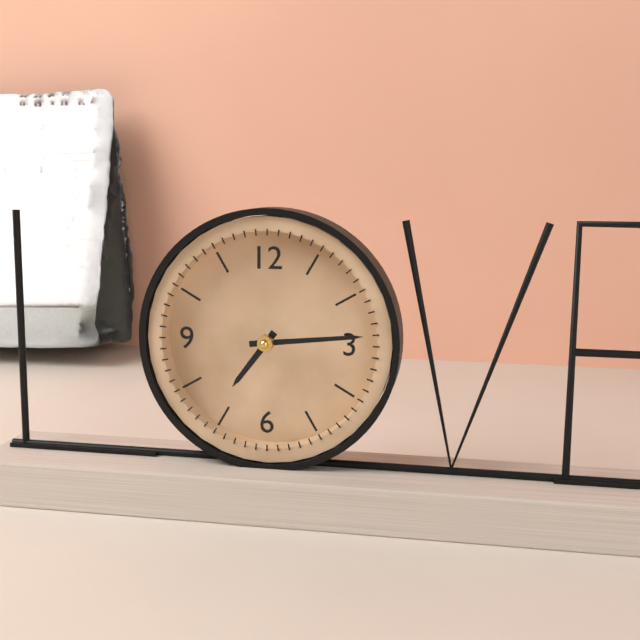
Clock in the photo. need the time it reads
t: 7:14
